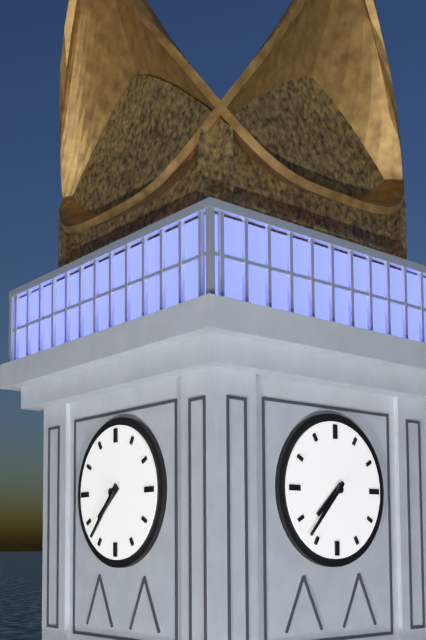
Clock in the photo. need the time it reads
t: 7:37
